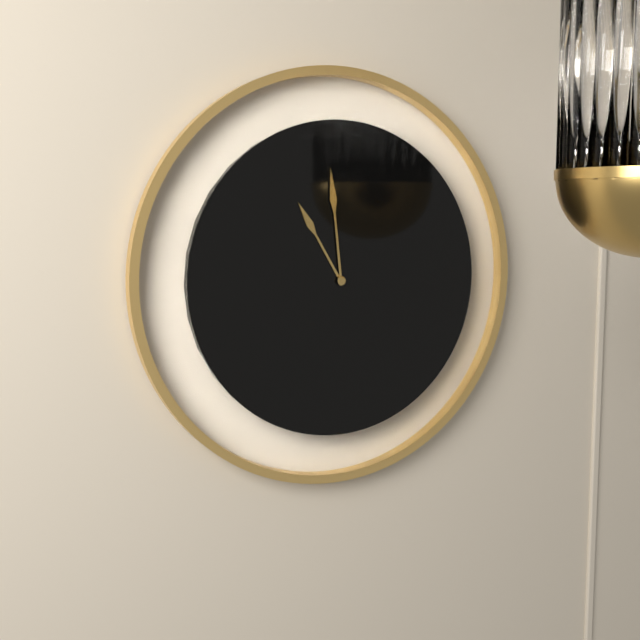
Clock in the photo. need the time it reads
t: 10:59
